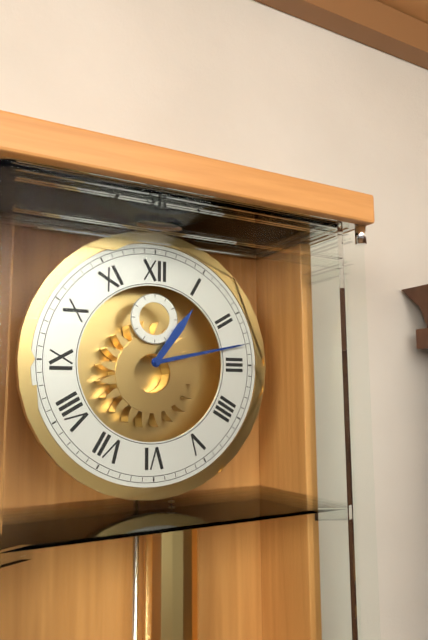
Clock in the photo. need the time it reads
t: 1:13
